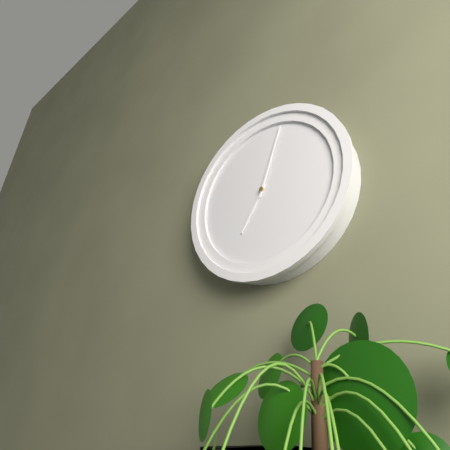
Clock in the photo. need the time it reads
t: 7:03
